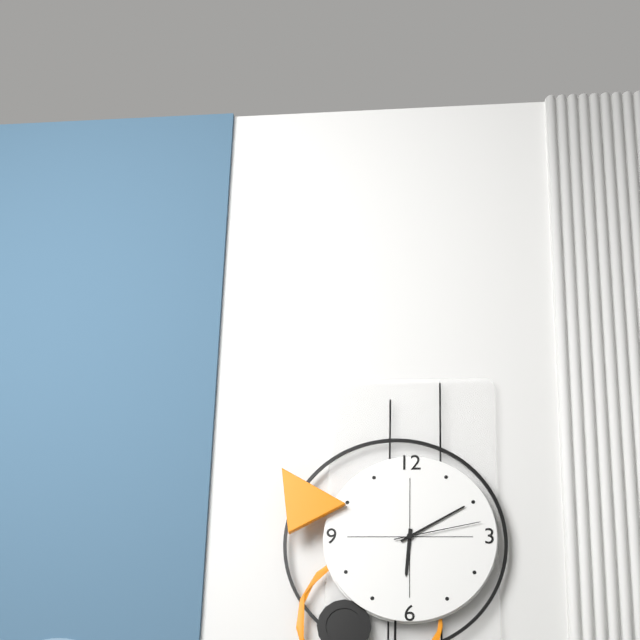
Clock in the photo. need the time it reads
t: 6:10:13
